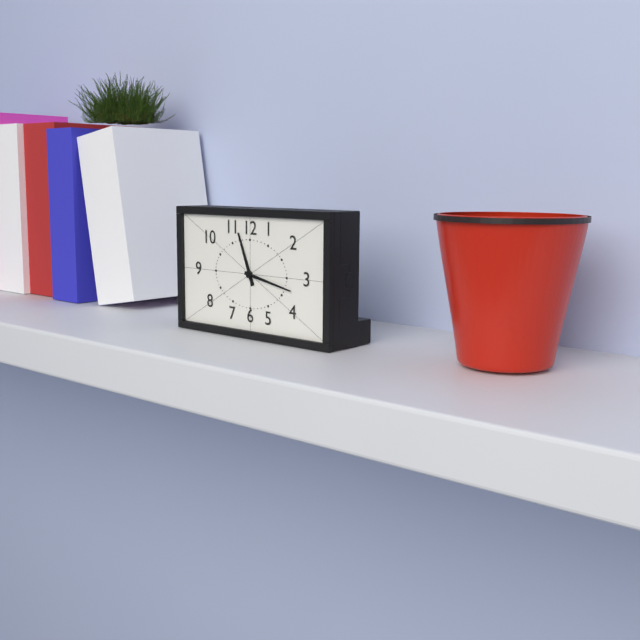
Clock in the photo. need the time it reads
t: 11:17
